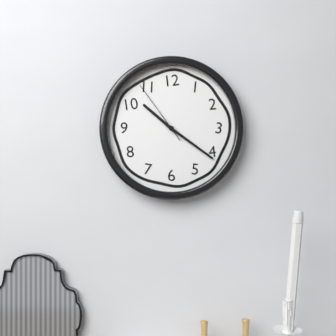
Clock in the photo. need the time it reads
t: 10:21:54
